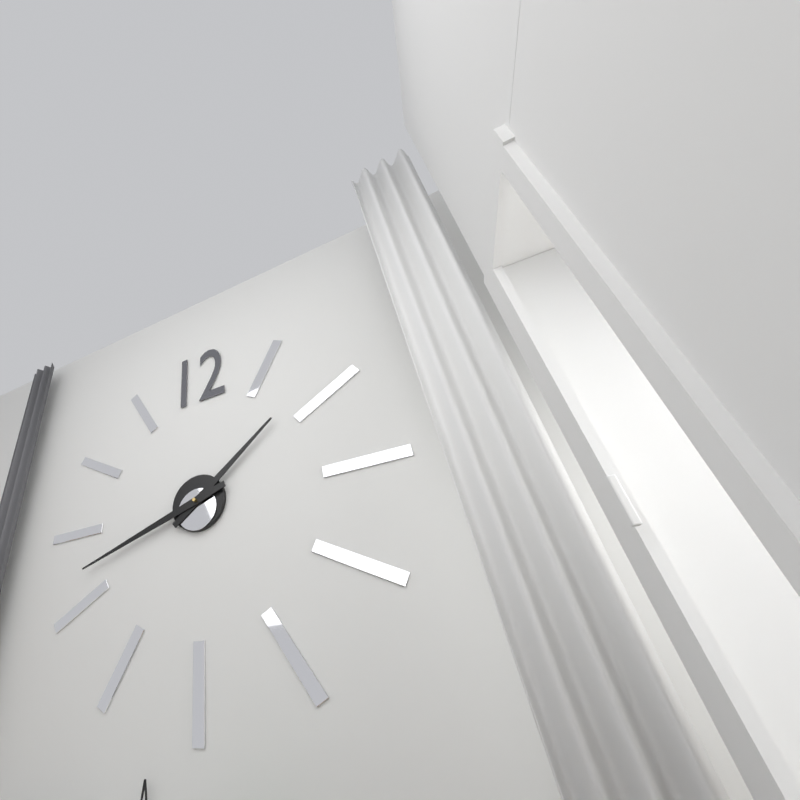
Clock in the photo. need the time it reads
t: 1:42
